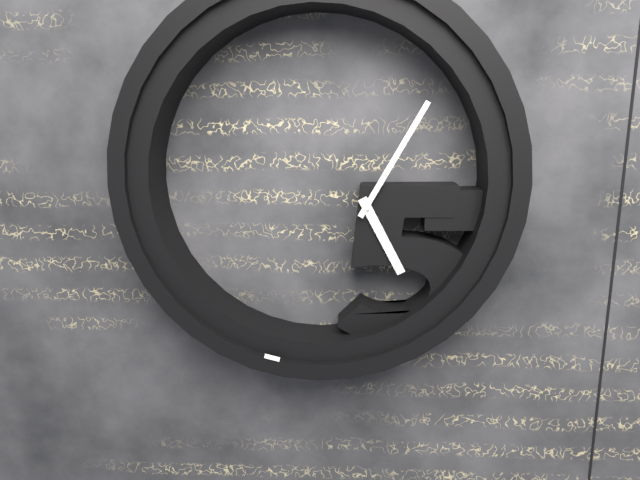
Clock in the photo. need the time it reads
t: 5:05
